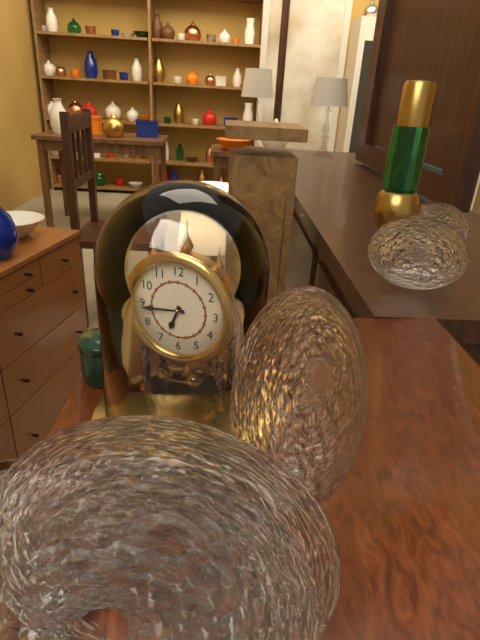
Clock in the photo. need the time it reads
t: 6:44
